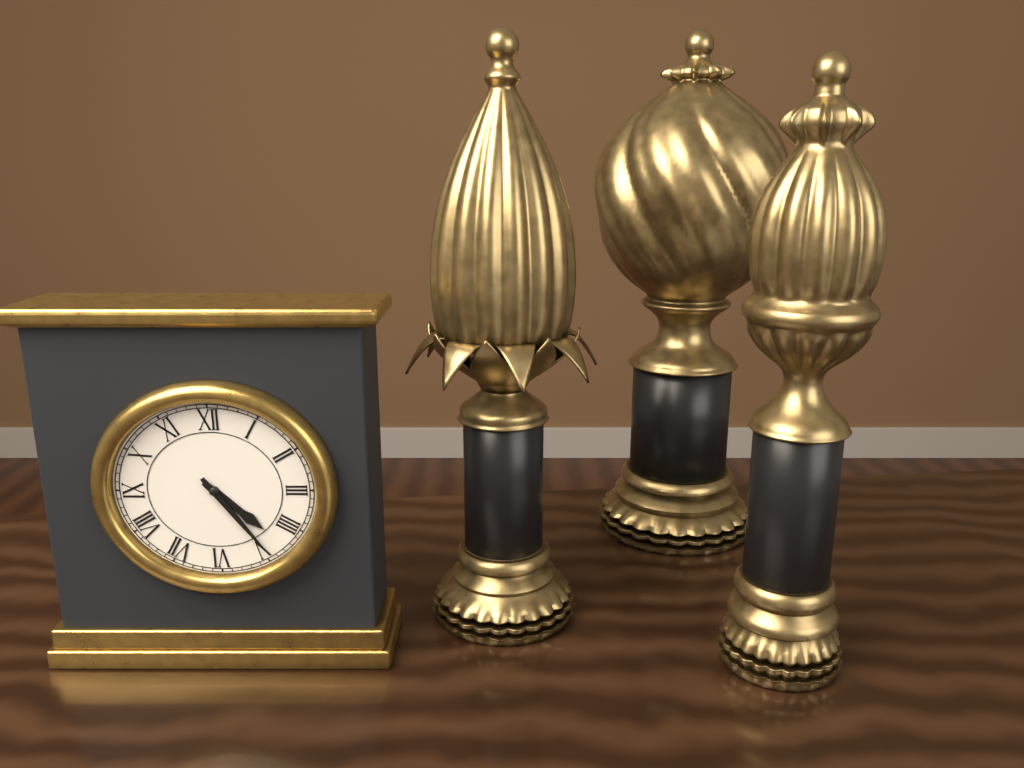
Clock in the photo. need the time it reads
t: 4:24
